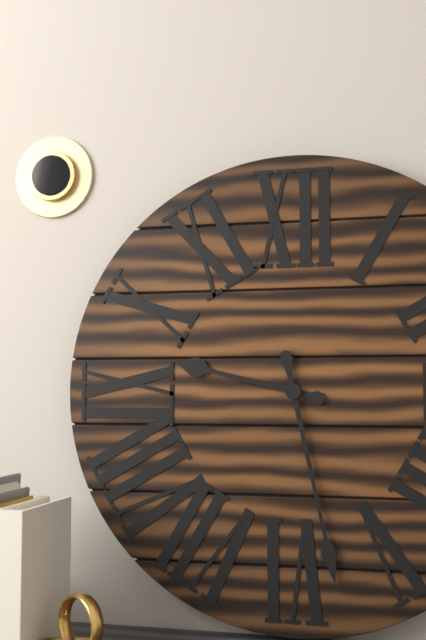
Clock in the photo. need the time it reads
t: 9:28
